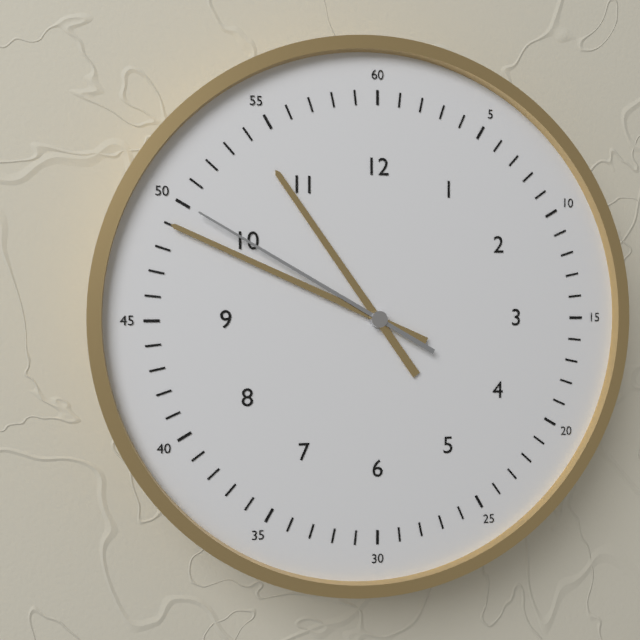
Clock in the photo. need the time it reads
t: 10:49:50
